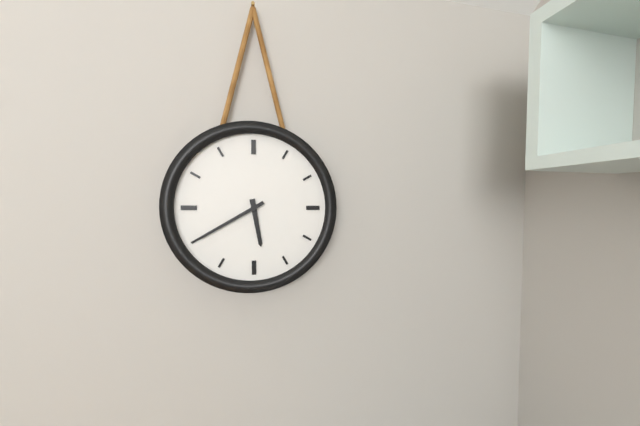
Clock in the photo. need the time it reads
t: 5:40
